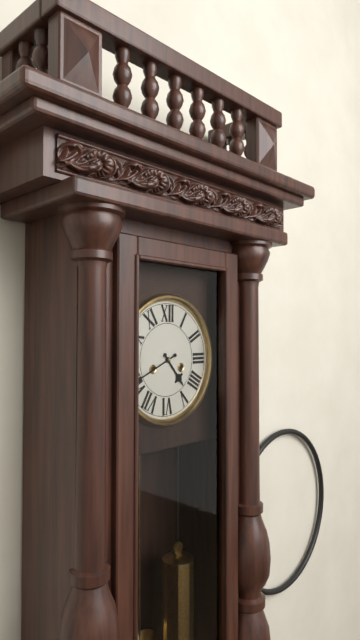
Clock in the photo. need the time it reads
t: 4:41
